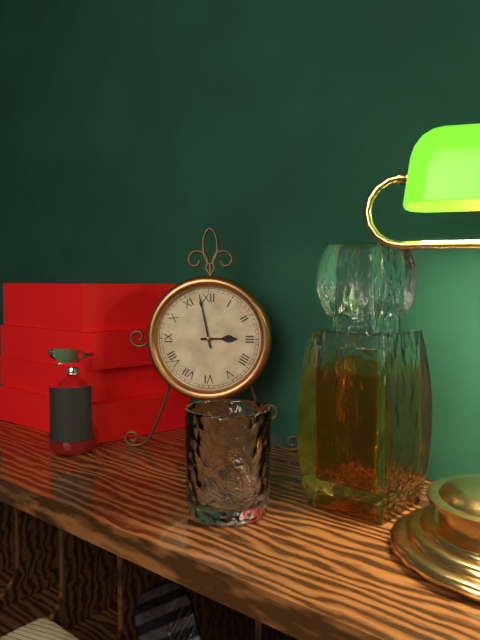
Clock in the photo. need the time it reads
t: 2:58
